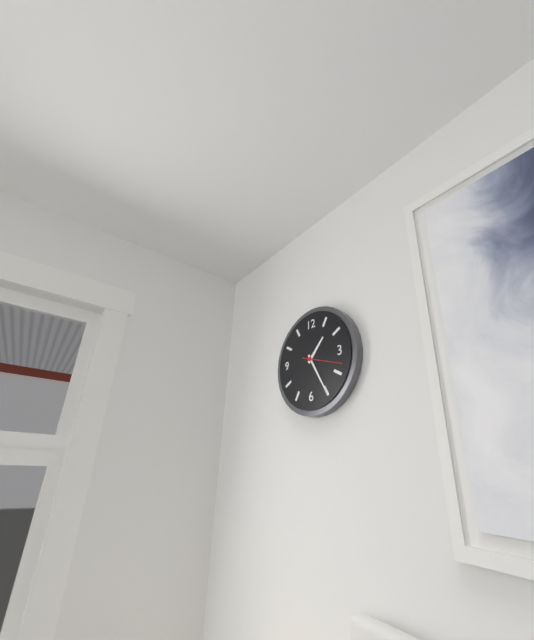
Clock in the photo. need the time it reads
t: 1:25
